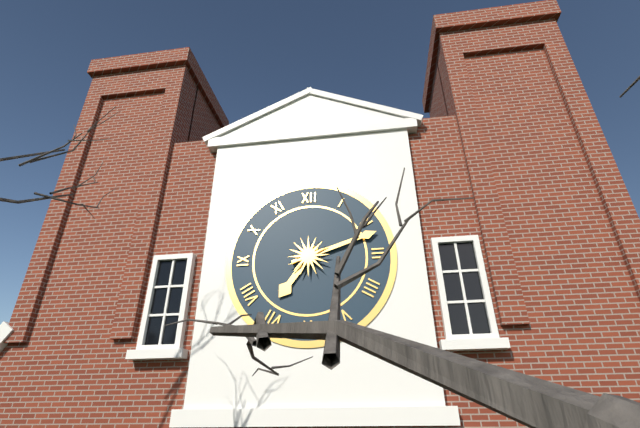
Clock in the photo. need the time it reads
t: 7:12
